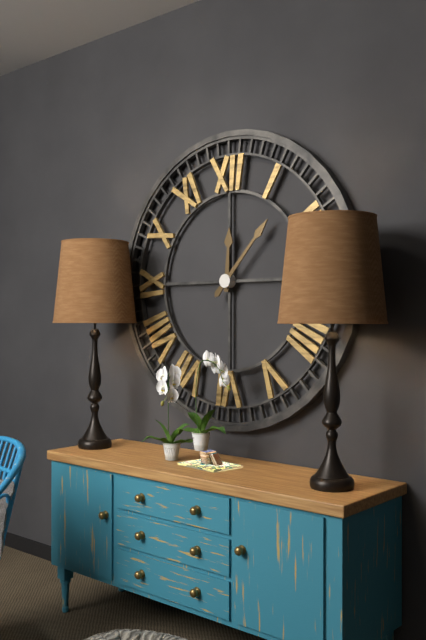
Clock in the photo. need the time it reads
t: 12:07
